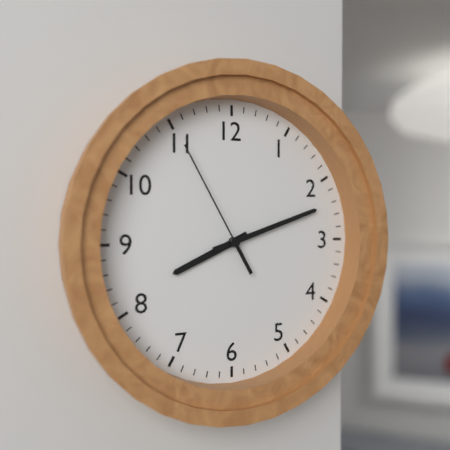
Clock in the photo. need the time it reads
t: 8:12:55
